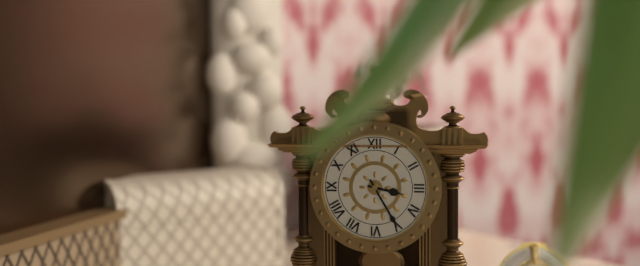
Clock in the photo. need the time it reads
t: 3:25
